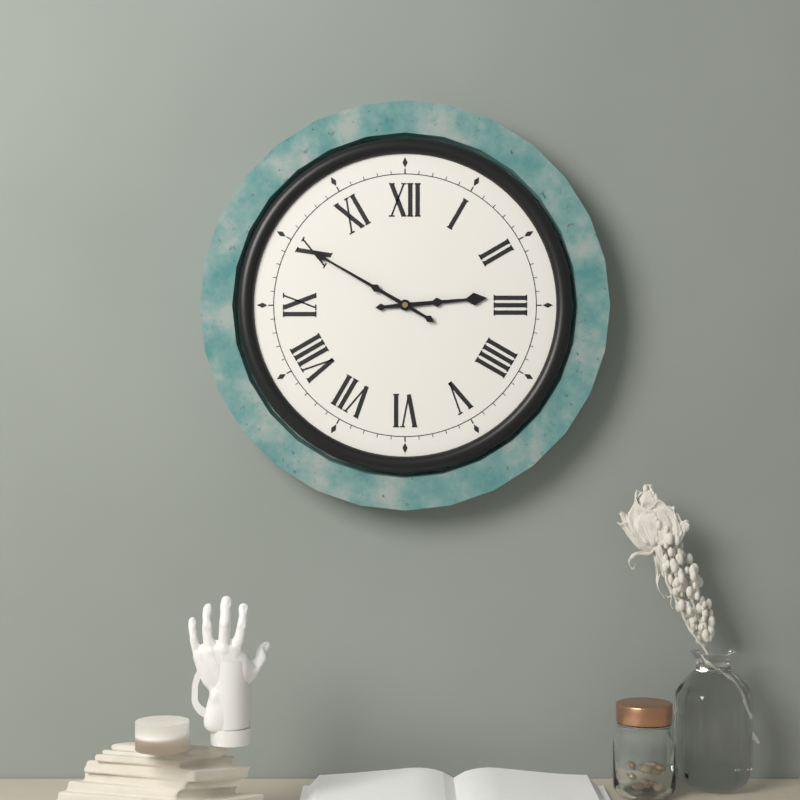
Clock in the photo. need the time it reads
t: 2:50
